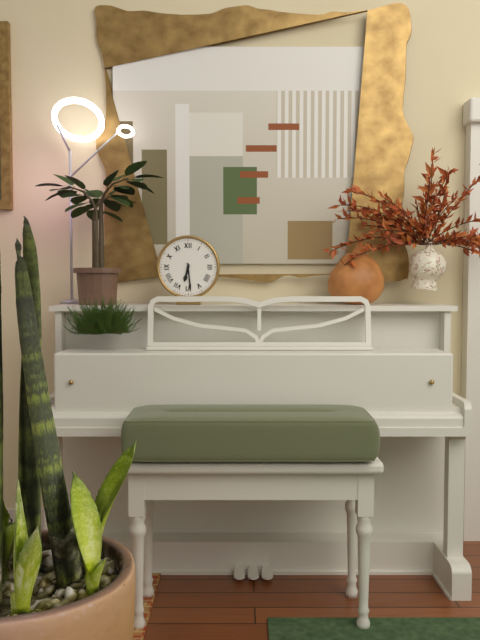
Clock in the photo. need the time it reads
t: 6:29
